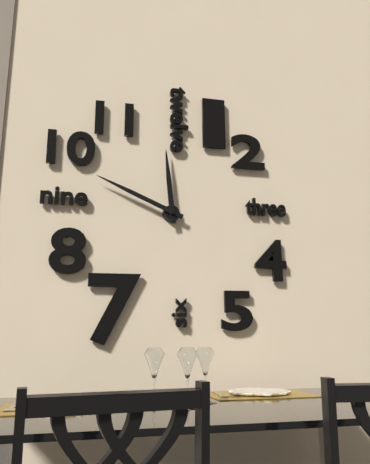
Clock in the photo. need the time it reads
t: 11:49
